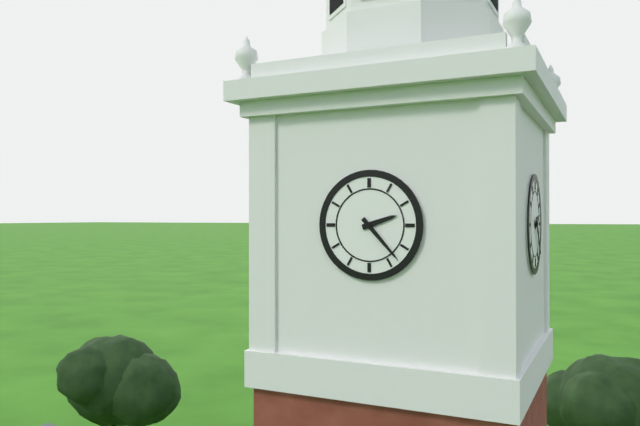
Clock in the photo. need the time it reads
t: 2:23
